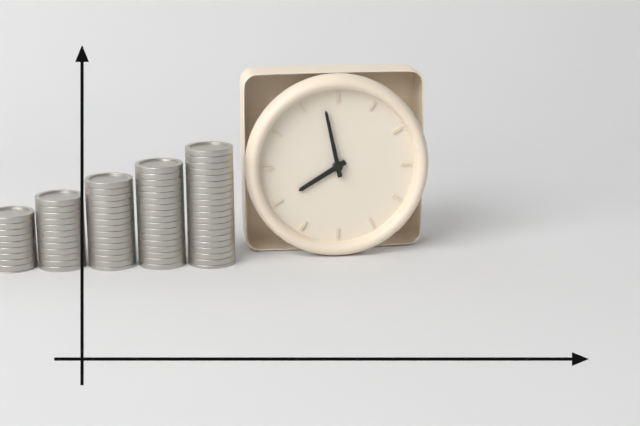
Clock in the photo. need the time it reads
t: 7:58
